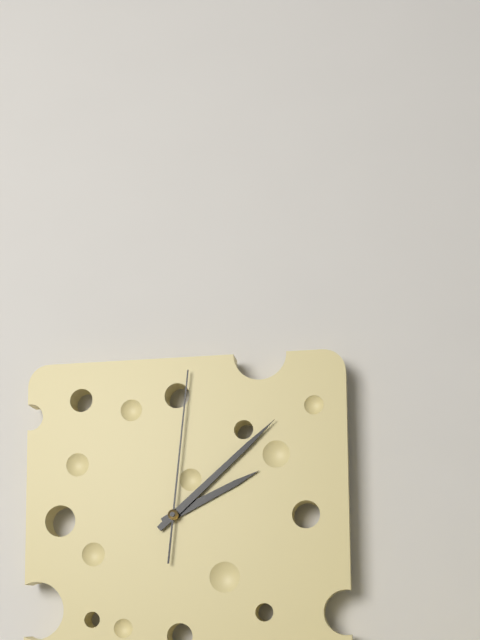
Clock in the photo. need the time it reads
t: 2:08:01
